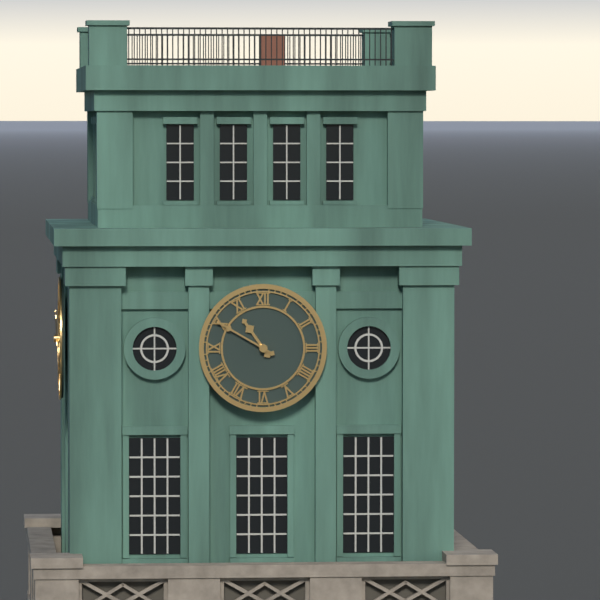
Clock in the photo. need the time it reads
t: 10:50
